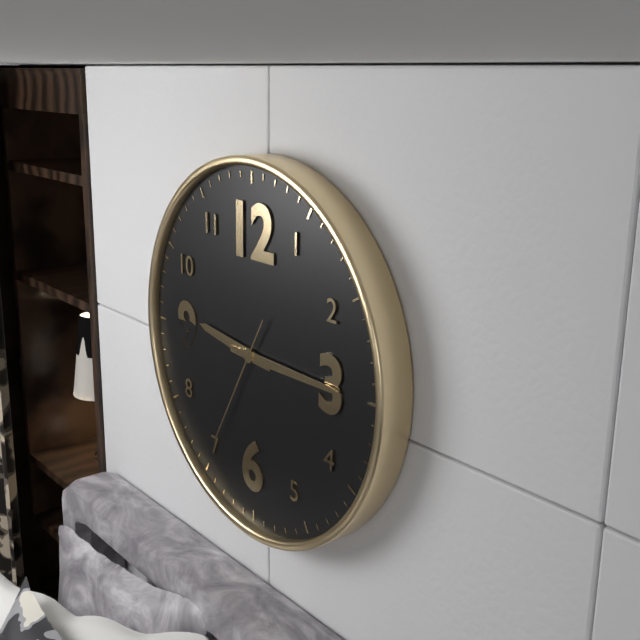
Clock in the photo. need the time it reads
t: 9:15:35
